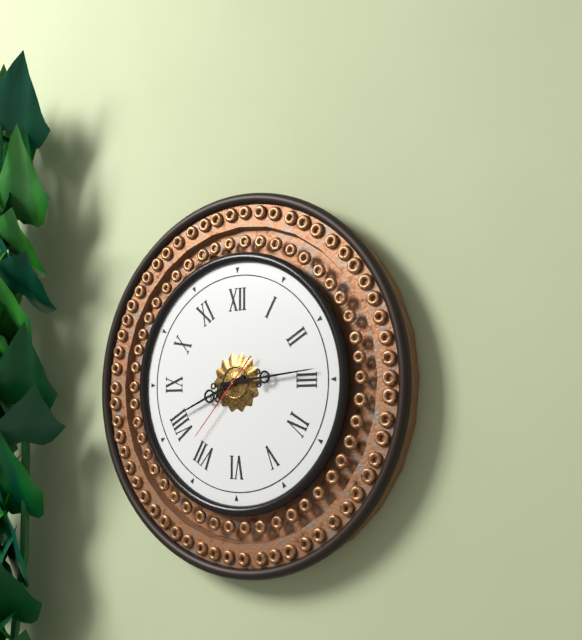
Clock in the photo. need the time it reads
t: 8:14:37
